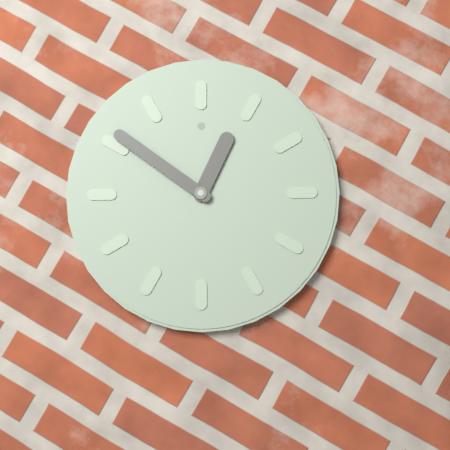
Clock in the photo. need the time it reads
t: 12:51
